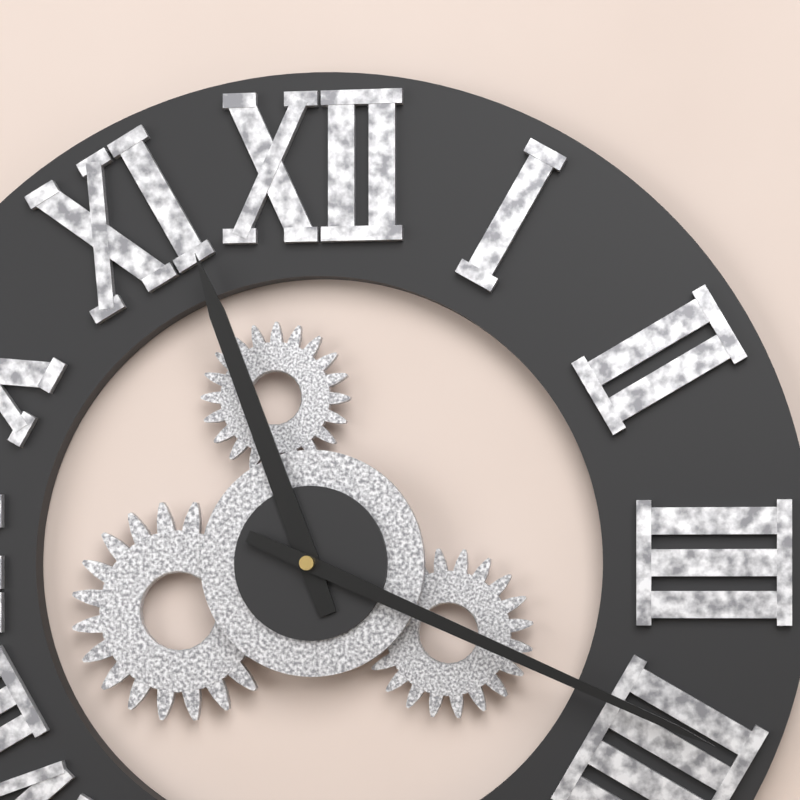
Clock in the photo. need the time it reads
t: 11:19
